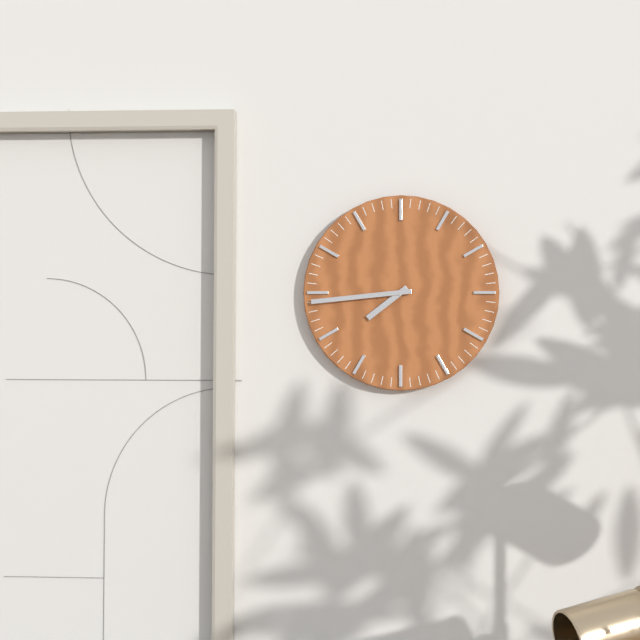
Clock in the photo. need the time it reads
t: 7:44
